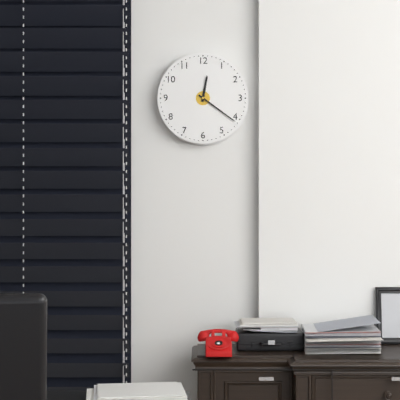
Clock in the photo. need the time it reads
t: 12:21
